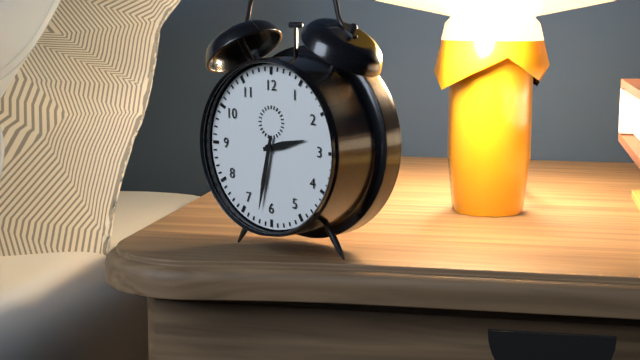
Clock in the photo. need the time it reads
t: 2:32
